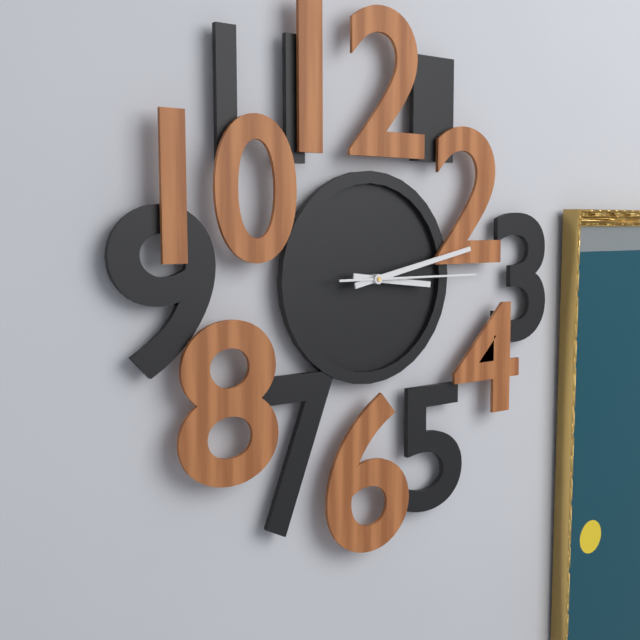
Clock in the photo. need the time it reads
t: 3:13:15
